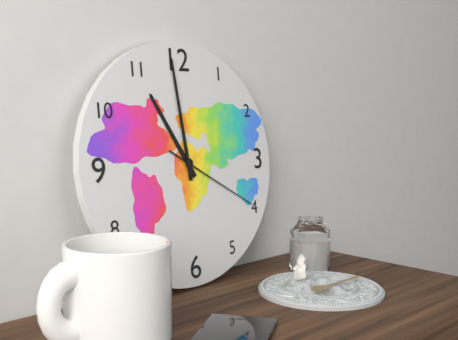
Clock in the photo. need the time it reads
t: 10:59:20
